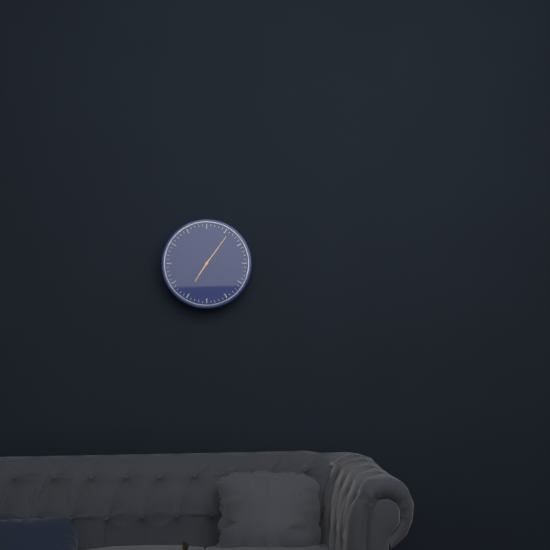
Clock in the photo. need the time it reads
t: 7:06
